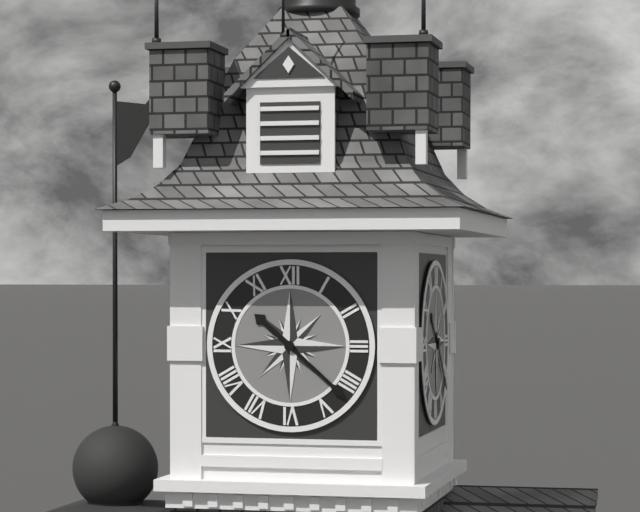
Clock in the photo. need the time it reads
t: 10:22
